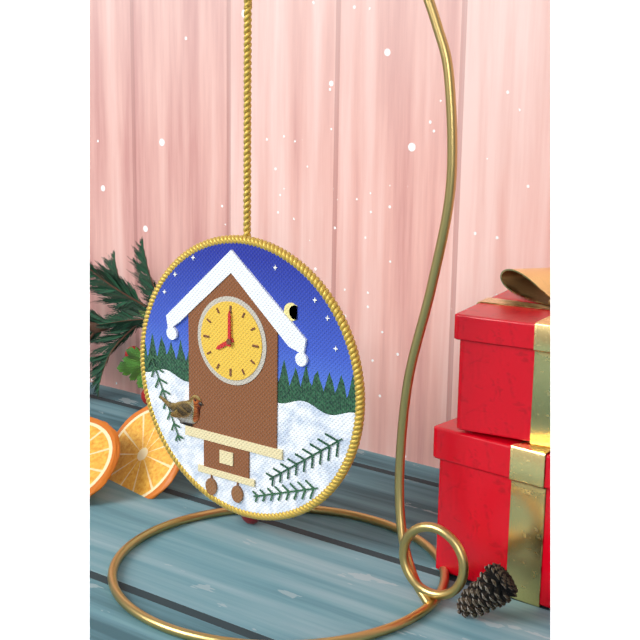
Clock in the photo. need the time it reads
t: 8:00
